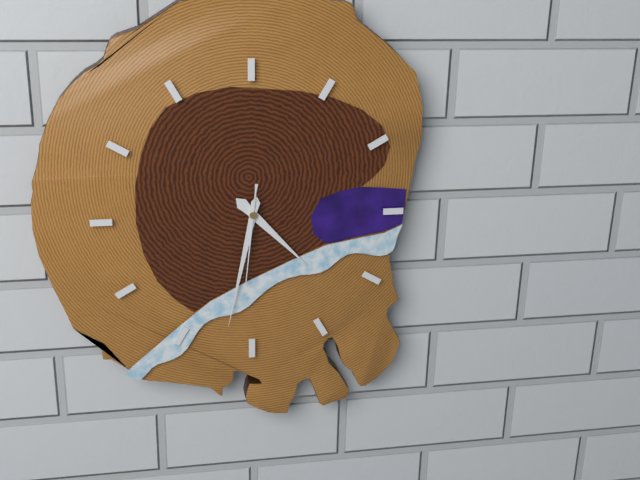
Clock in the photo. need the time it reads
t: 4:32:31
